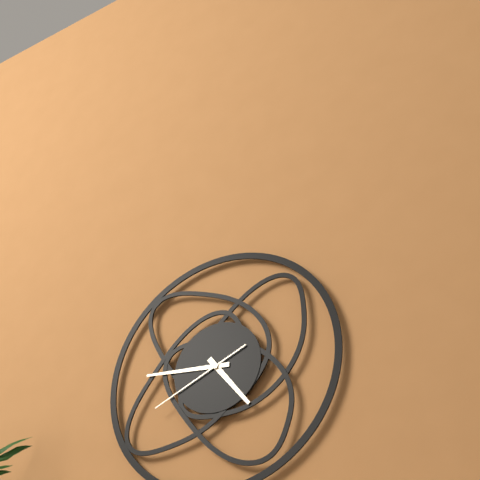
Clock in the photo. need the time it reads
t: 4:46:41
